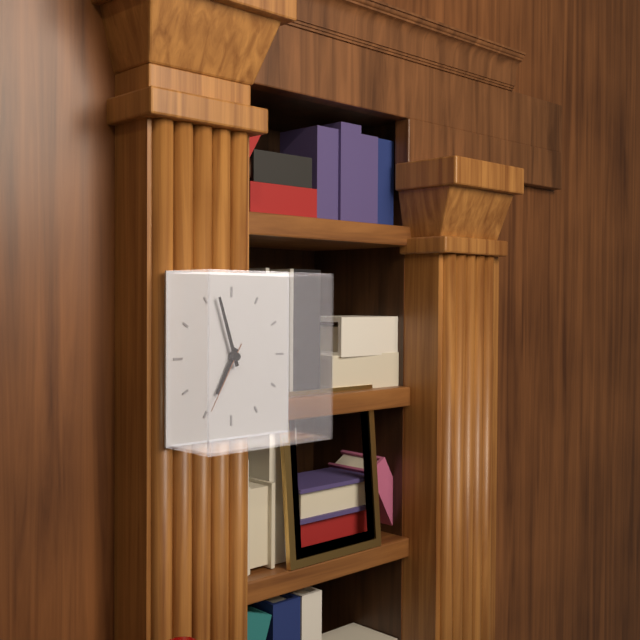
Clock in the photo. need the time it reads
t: 6:57:35
